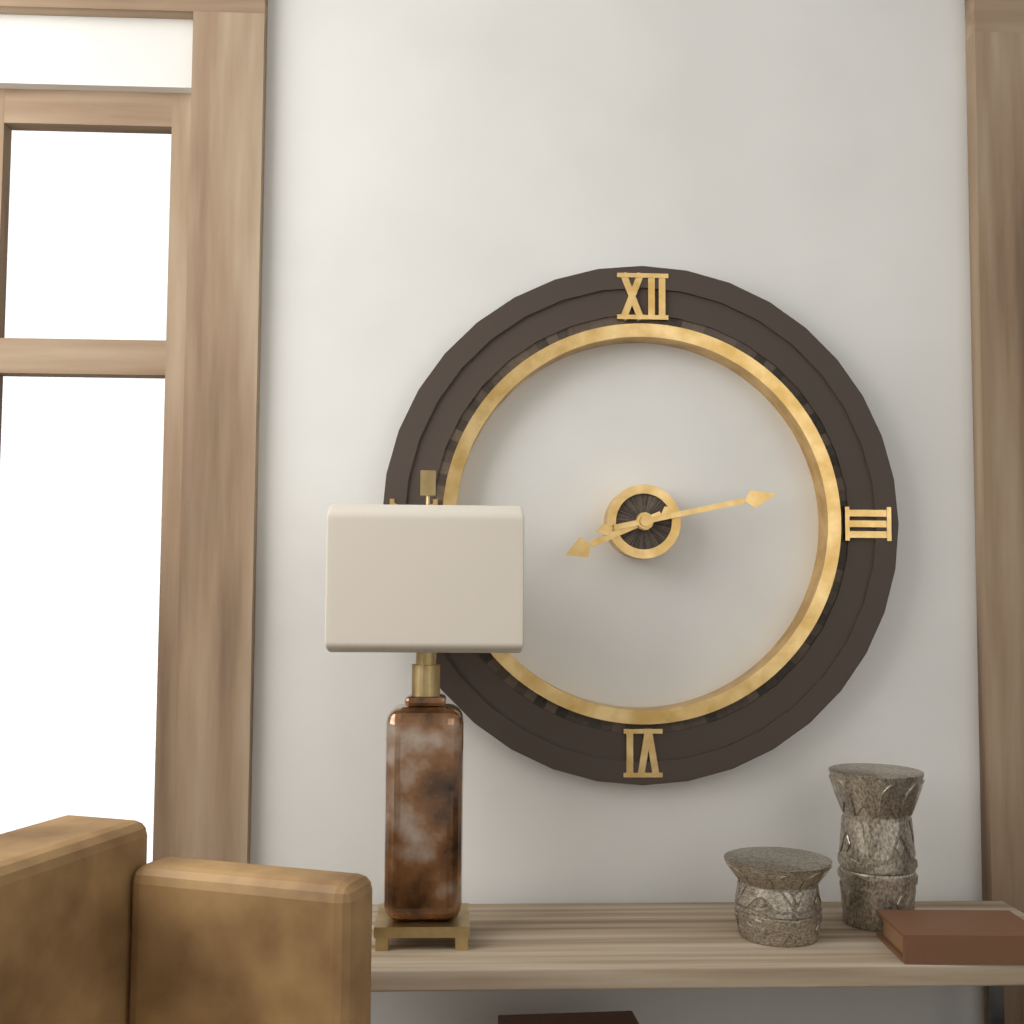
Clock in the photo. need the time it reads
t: 8:13
